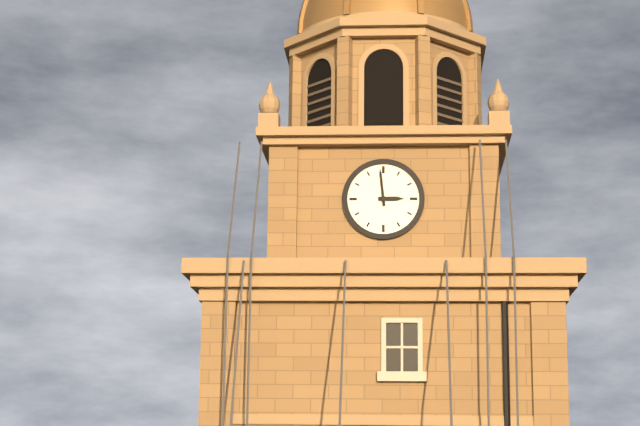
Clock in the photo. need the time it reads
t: 2:59
